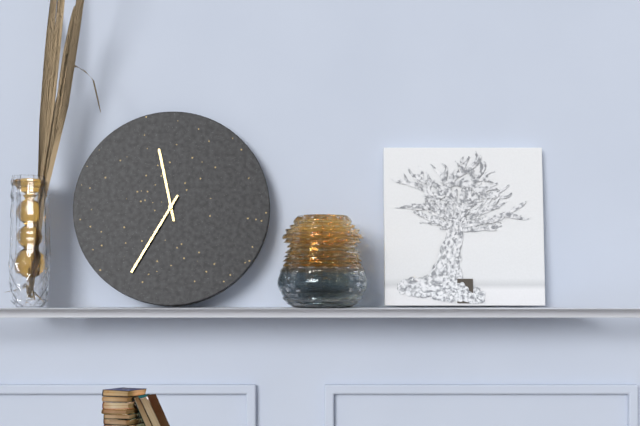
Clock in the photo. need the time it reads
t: 11:35
